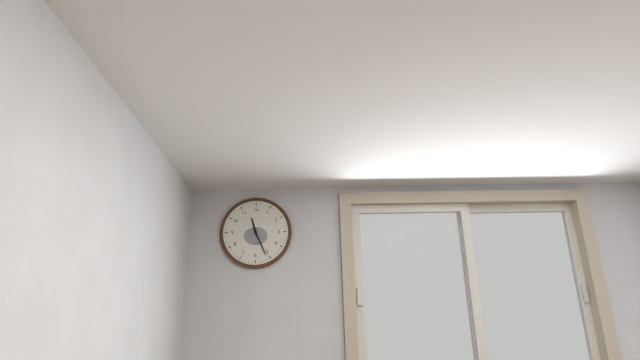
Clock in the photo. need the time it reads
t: 11:26
